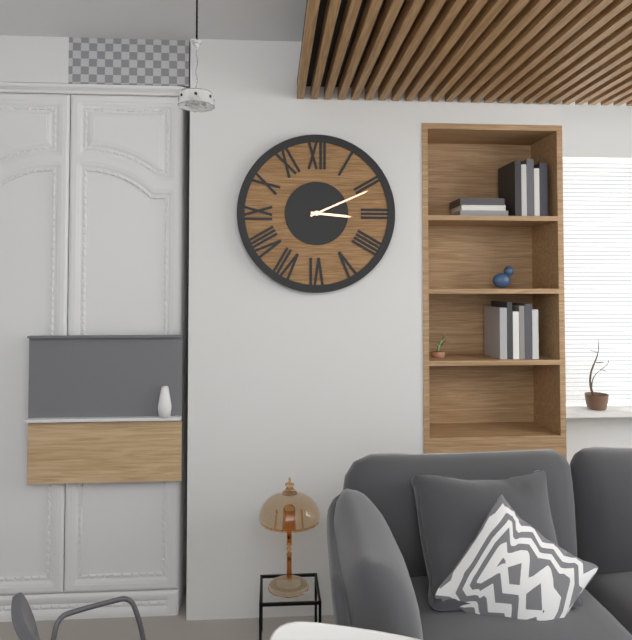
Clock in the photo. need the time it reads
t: 3:11
